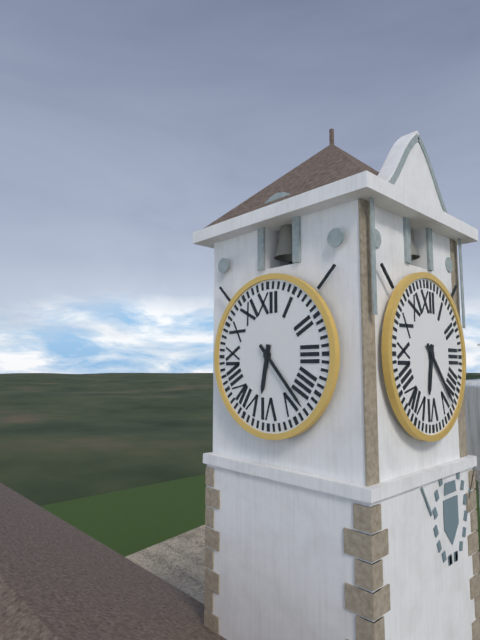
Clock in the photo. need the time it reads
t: 6:23
